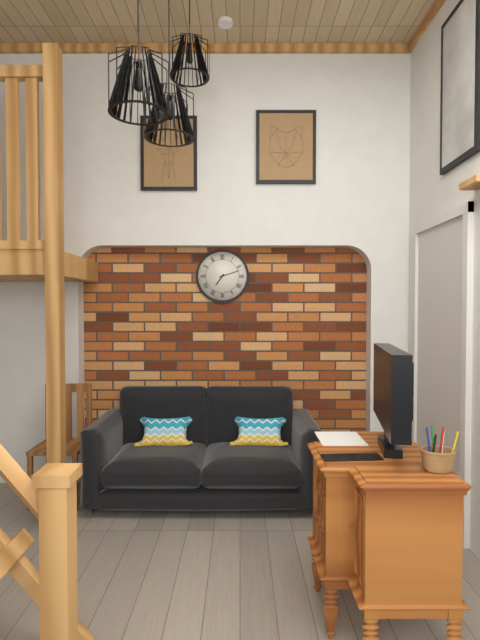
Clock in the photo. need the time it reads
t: 7:12
